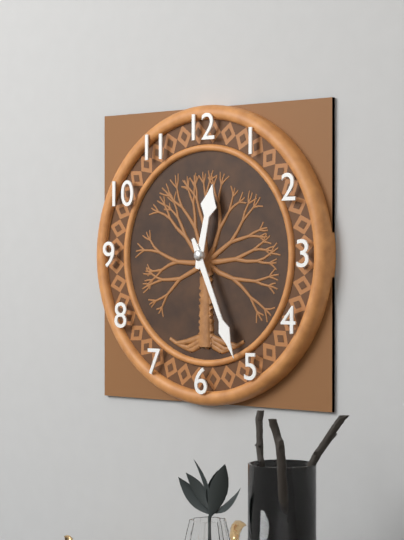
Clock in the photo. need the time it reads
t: 12:26
